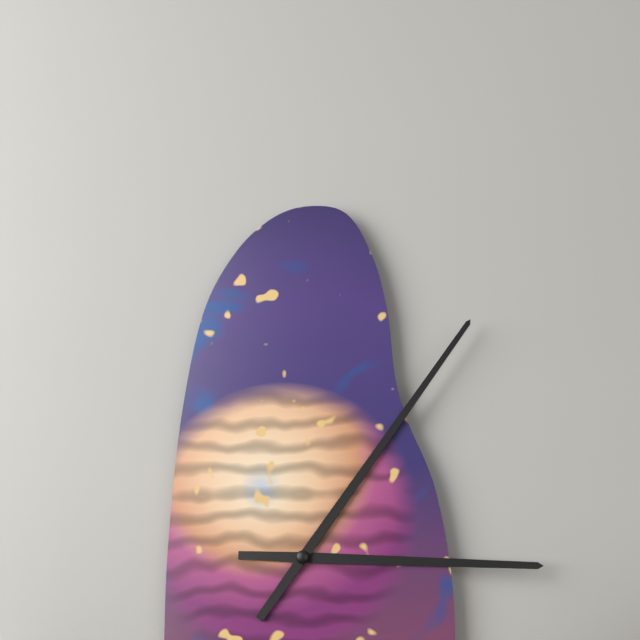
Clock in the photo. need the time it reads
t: 3:06
